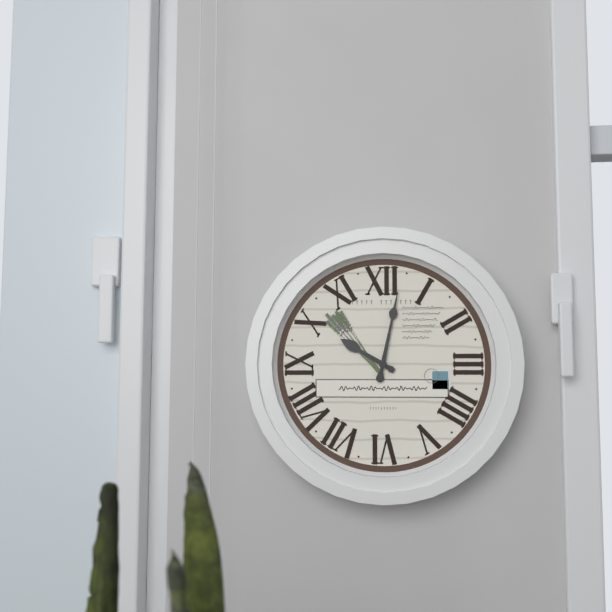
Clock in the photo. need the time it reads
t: 10:02
